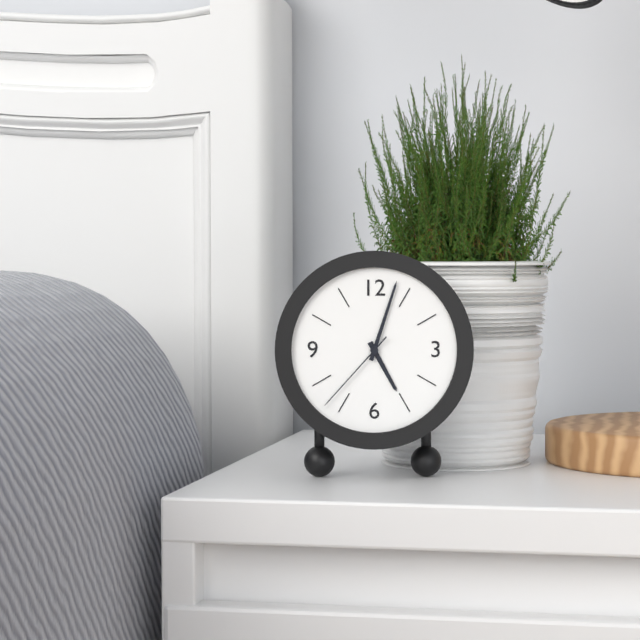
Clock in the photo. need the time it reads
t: 5:03:37
